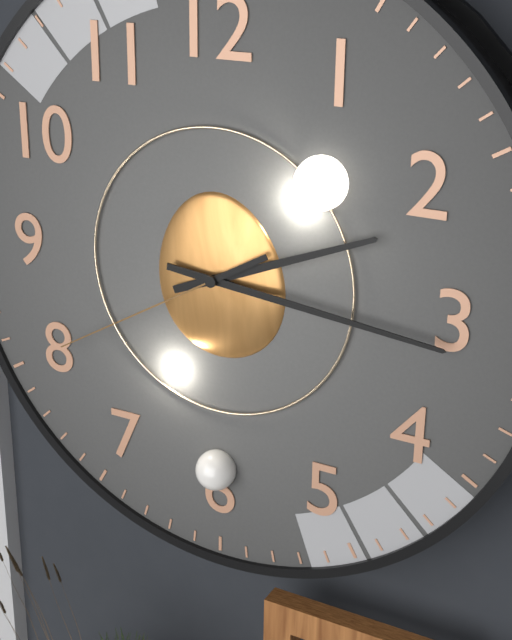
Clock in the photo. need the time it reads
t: 2:16:40
